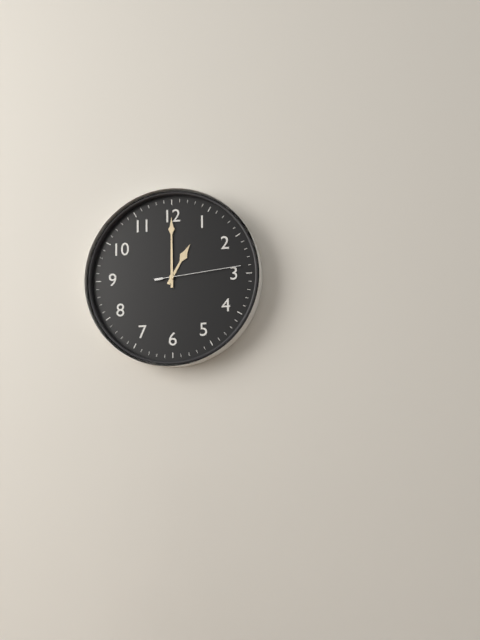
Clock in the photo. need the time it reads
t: 1:00:14
